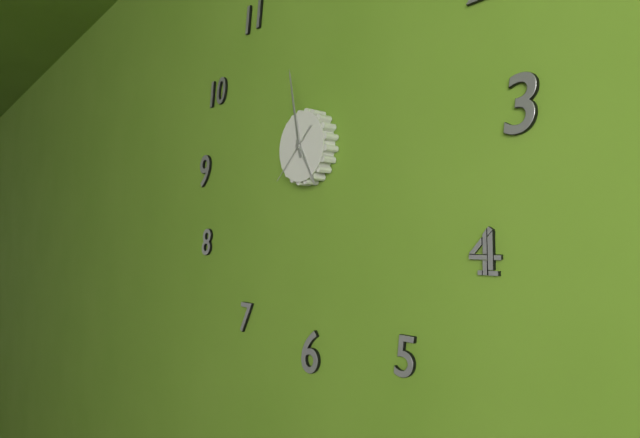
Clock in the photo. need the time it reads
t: 4:58:38
